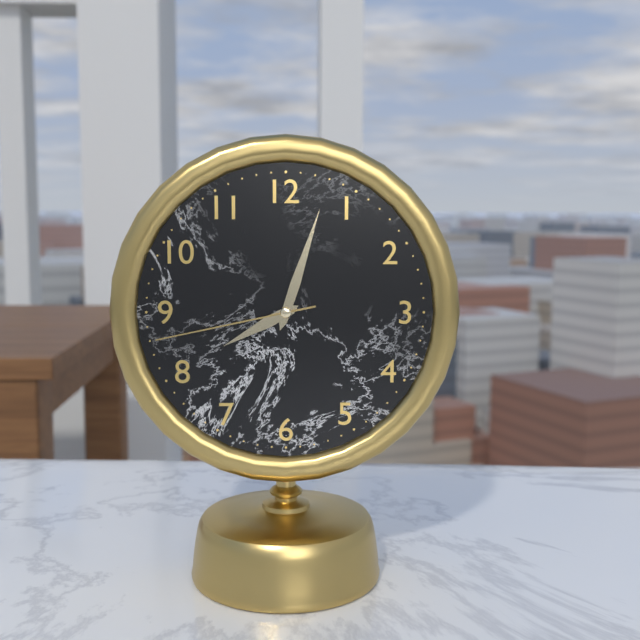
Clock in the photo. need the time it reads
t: 8:03:43
